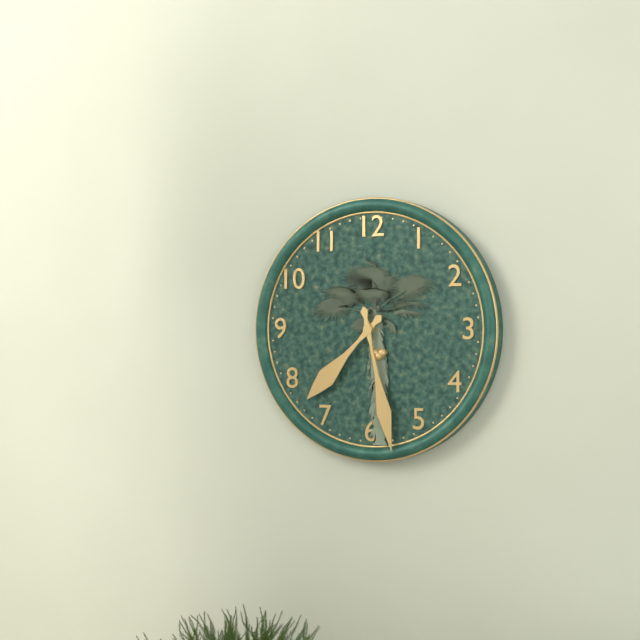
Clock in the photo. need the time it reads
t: 7:28
